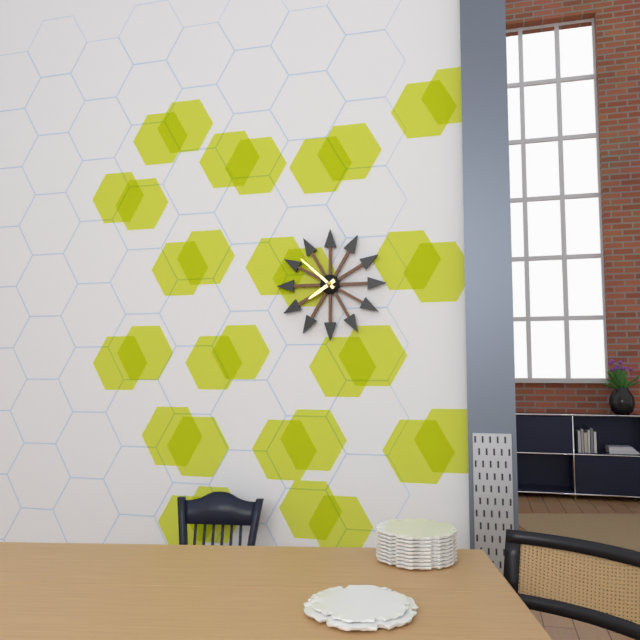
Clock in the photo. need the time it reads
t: 7:52
